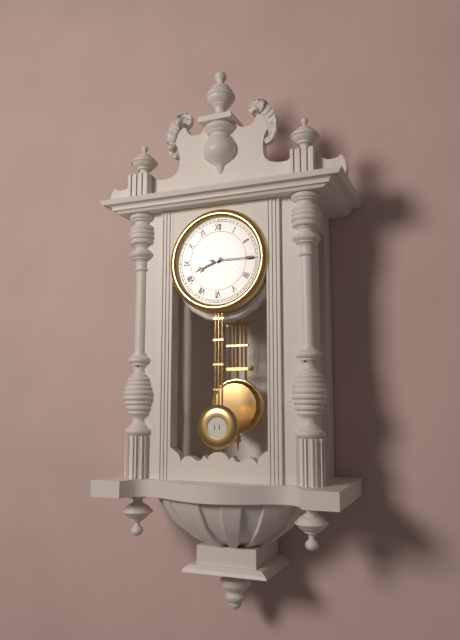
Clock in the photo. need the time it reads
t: 8:15
